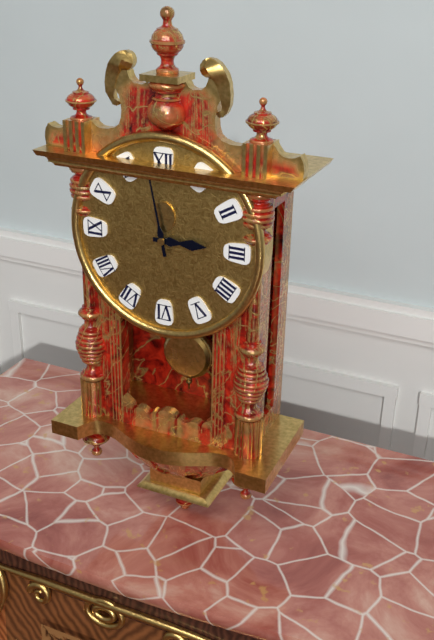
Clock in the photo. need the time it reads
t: 2:58
